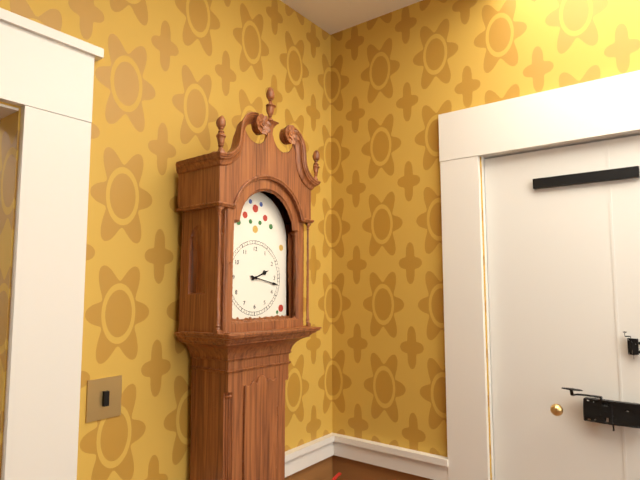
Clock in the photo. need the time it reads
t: 2:17
